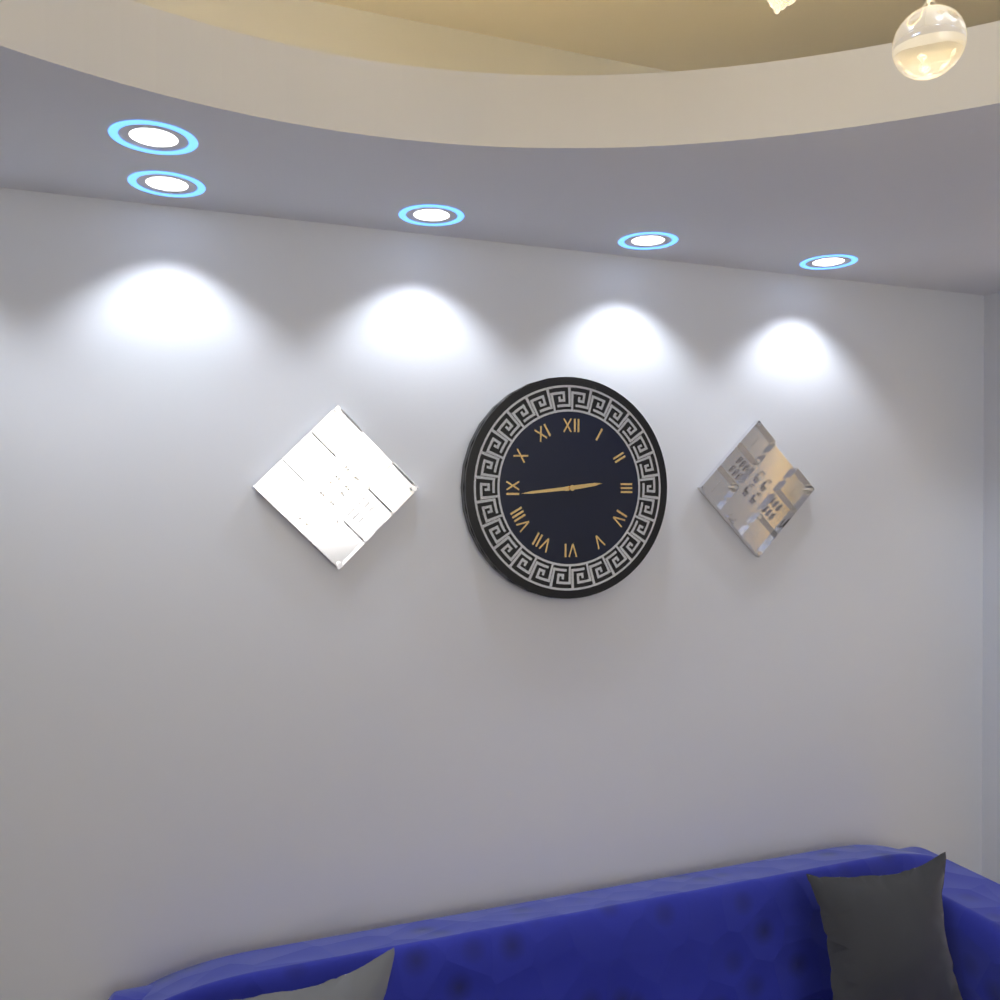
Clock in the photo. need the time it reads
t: 2:44
